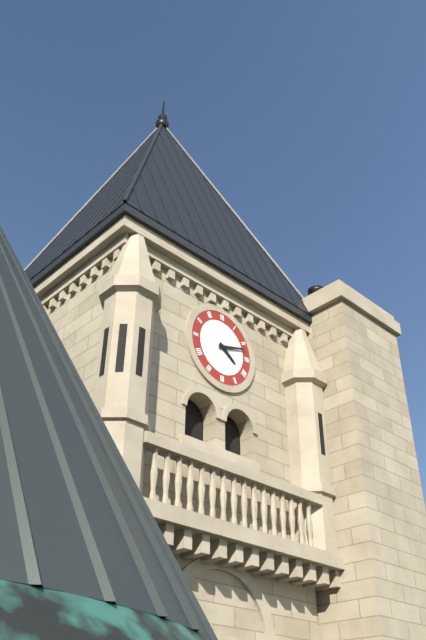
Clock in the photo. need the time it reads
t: 4:12
